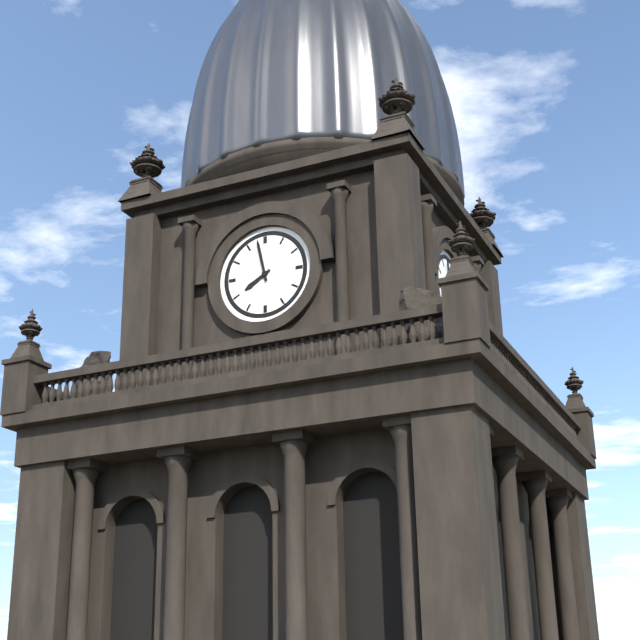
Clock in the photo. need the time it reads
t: 7:58
